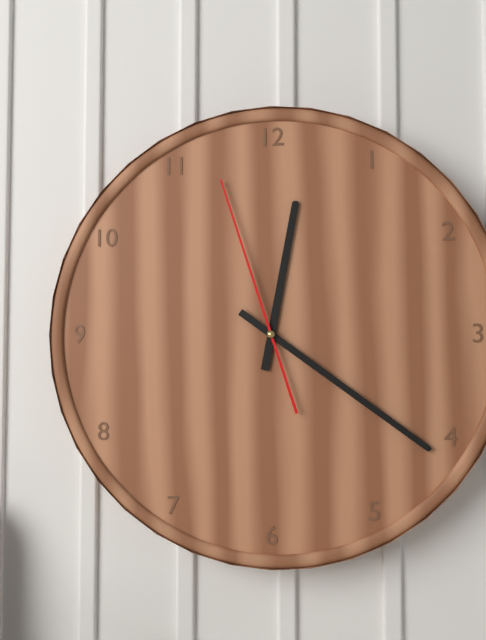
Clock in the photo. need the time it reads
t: 12:21:57
